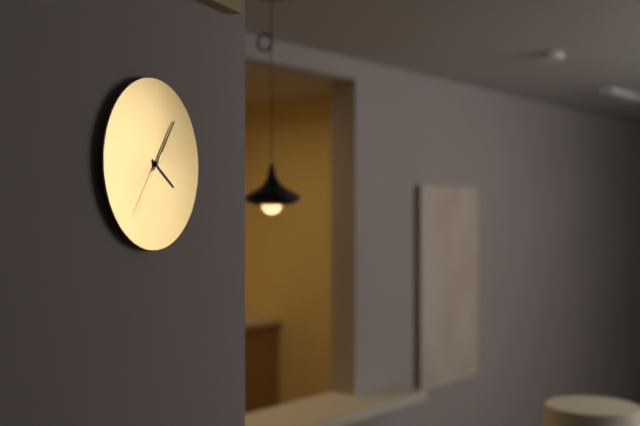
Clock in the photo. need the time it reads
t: 4:06:36
